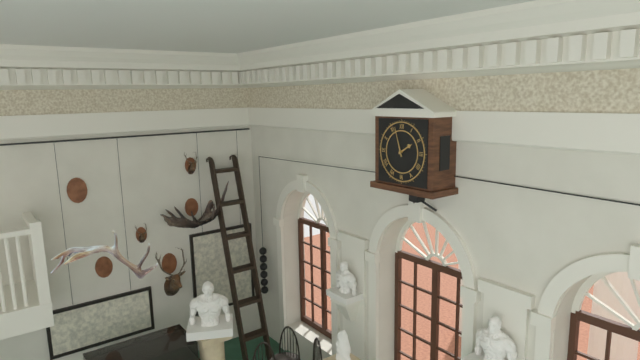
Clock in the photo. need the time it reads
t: 1:57
